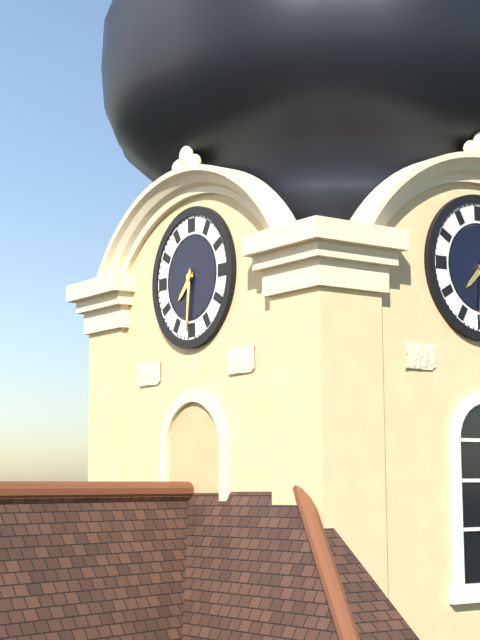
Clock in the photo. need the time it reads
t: 7:31
